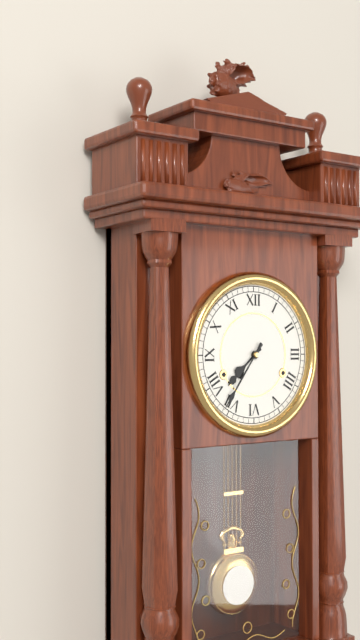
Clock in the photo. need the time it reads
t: 7:36
